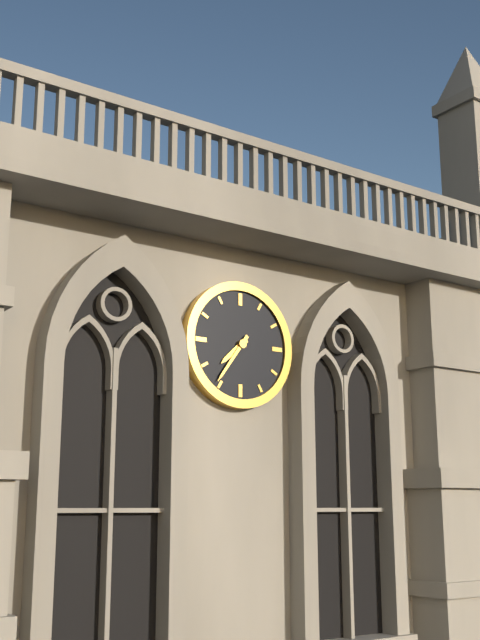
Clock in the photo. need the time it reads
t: 7:36
